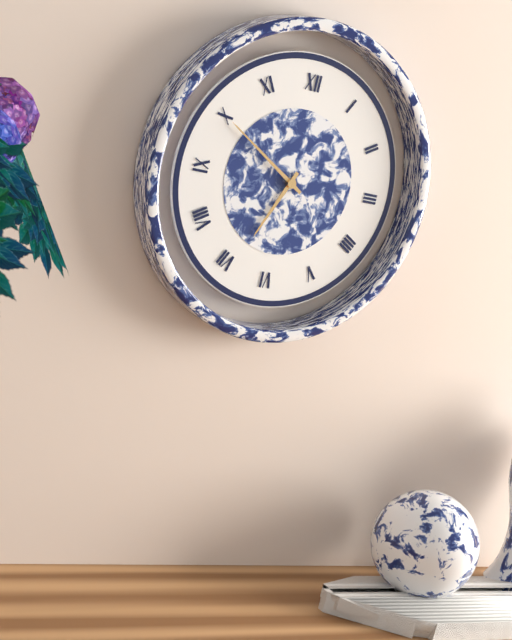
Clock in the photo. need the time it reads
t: 6:50
